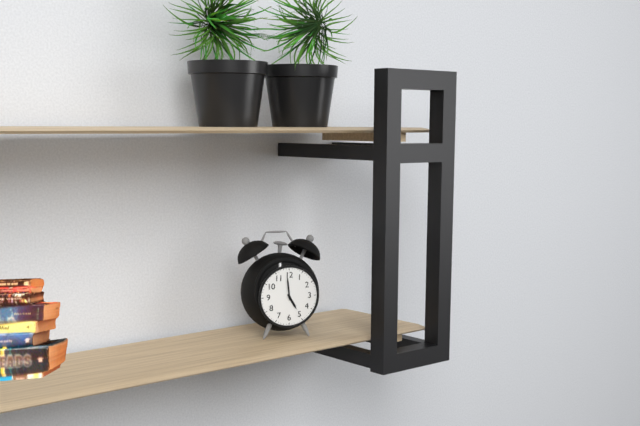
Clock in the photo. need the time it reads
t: 4:59
